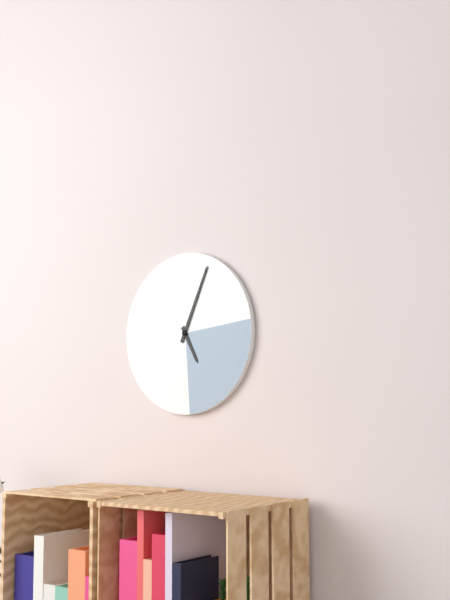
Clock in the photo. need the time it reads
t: 5:04
